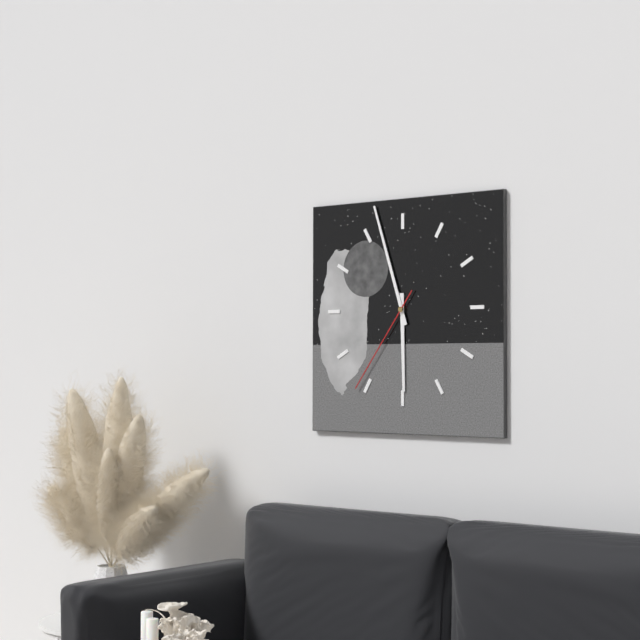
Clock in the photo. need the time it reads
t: 5:57:36
